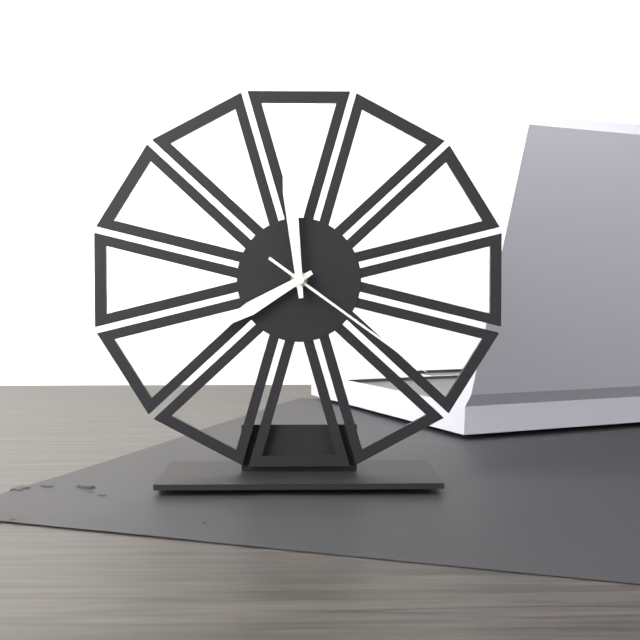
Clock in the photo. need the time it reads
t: 7:59:21
